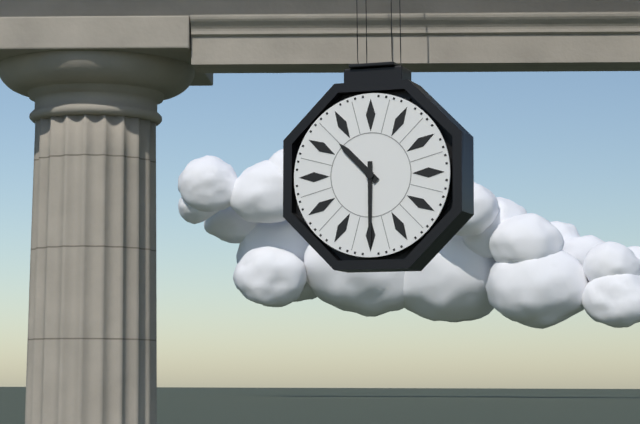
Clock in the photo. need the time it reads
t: 10:30
